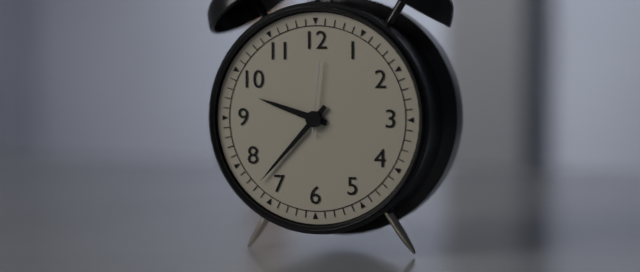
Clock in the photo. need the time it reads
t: 9:37:01
